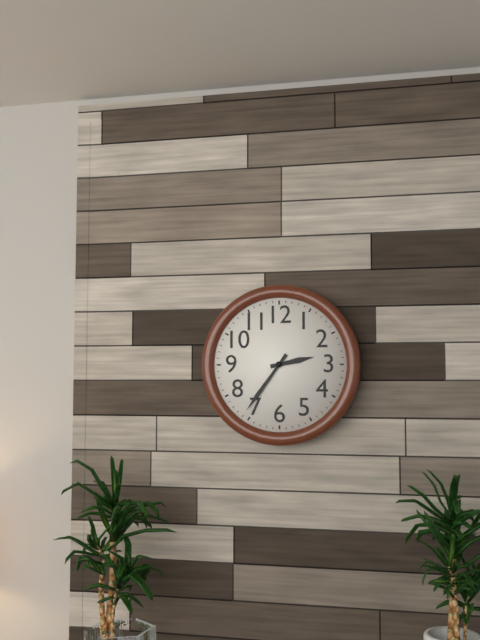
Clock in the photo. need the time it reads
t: 2:36
